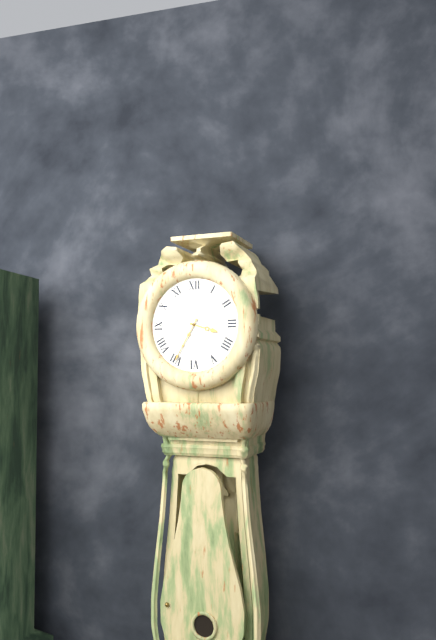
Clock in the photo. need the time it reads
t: 3:35
